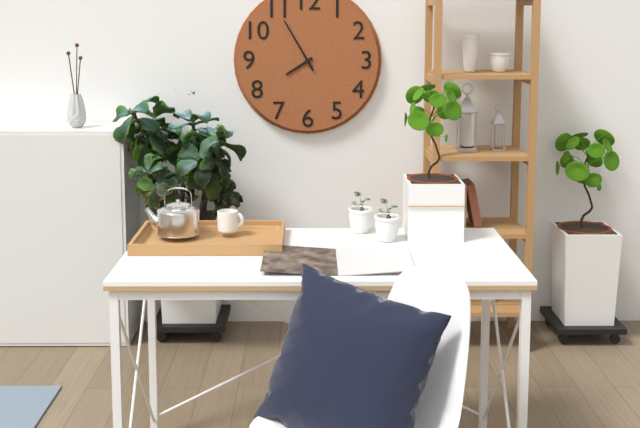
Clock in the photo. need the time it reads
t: 7:55
